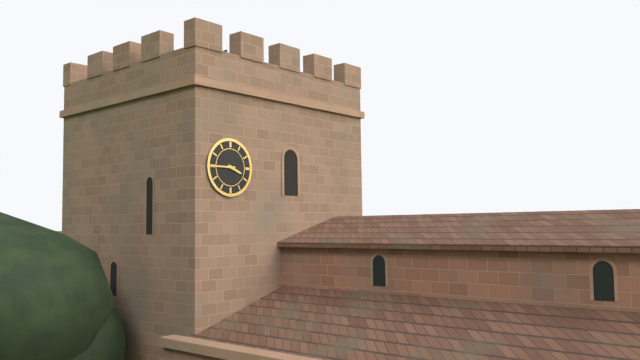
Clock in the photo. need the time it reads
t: 3:45
